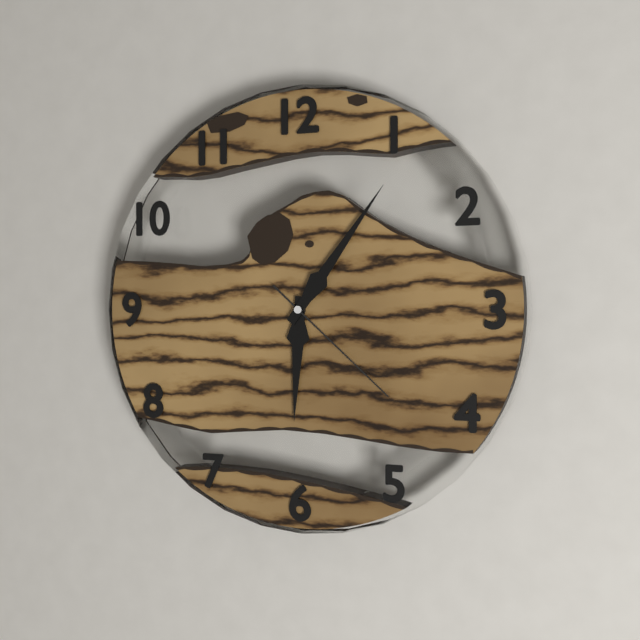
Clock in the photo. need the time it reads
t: 6:06:22
